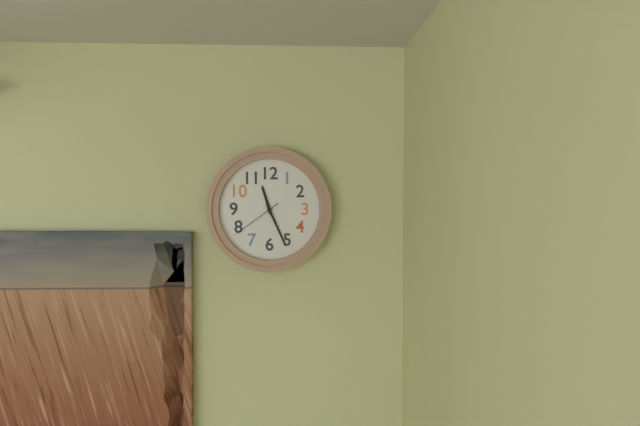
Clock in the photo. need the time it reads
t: 11:26:39
